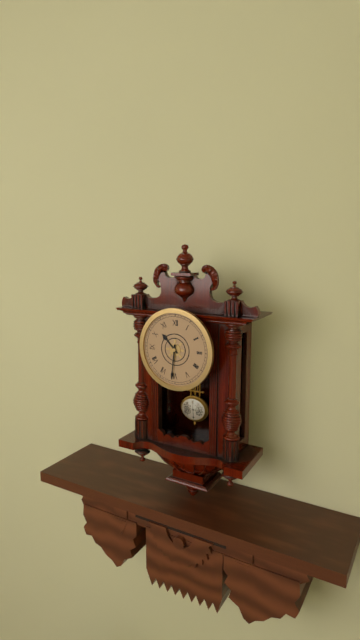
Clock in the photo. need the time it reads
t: 10:31
